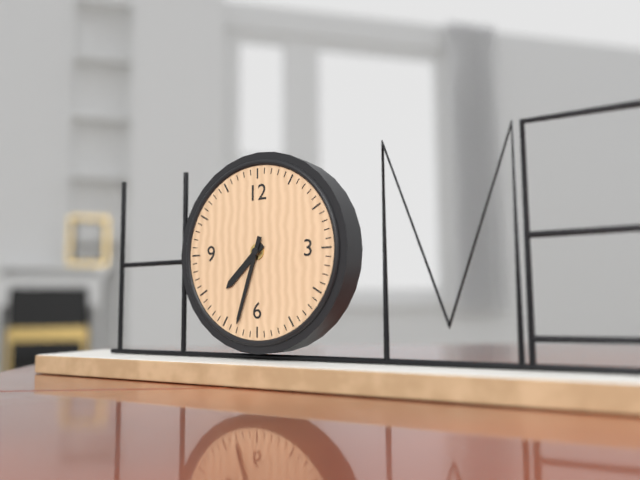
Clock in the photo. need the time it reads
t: 7:33
